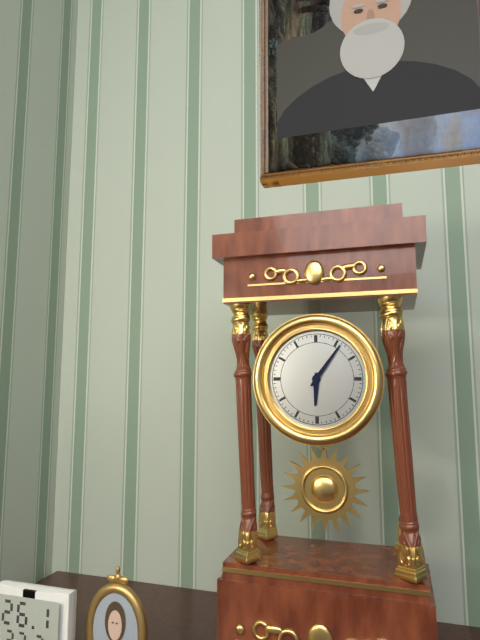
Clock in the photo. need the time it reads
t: 6:06
